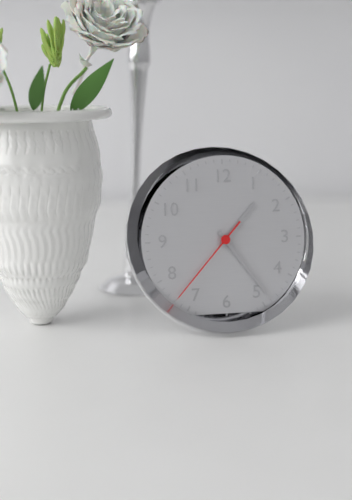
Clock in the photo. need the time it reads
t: 1:24:37
